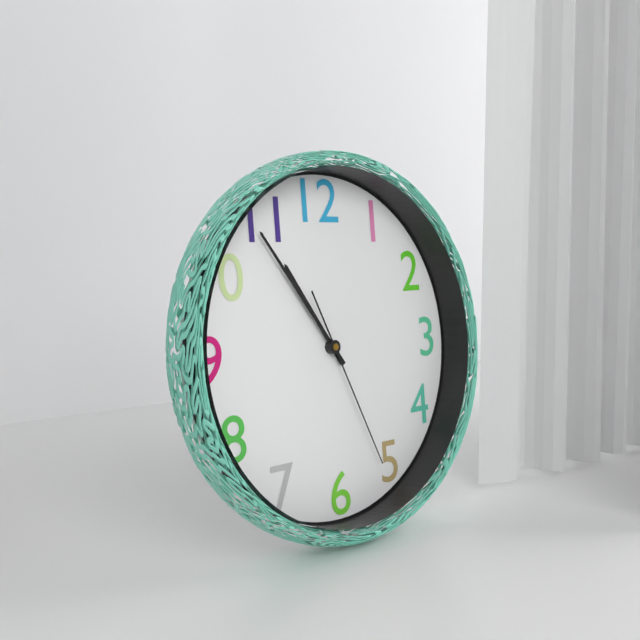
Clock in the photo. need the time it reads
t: 10:54:26
